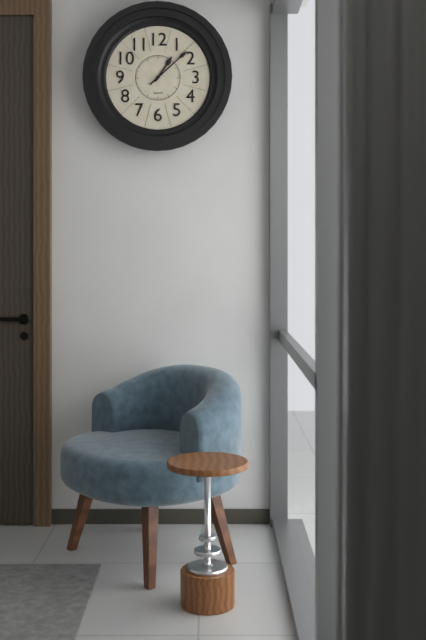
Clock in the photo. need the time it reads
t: 1:08
